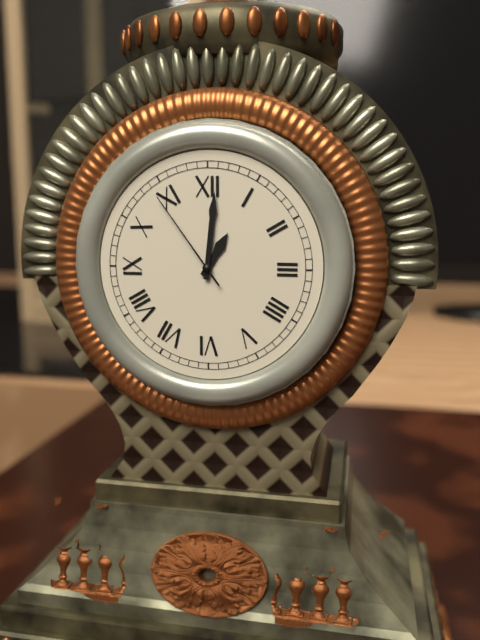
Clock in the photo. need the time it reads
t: 1:01:54
